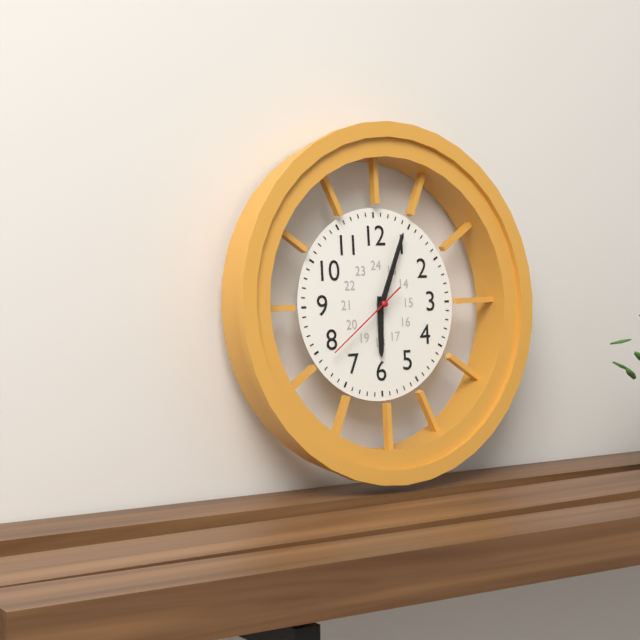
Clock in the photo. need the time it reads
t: 6:04:39
